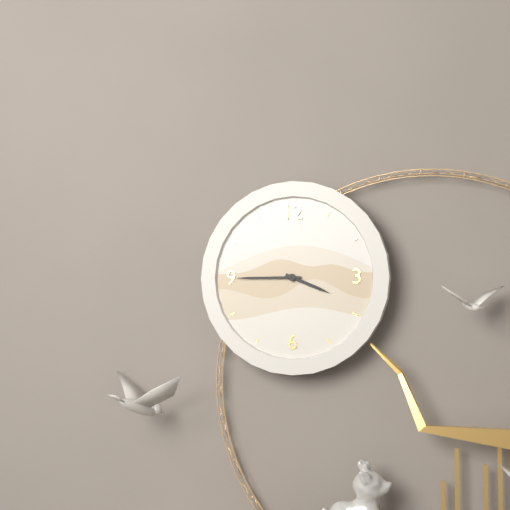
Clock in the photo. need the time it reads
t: 3:45
